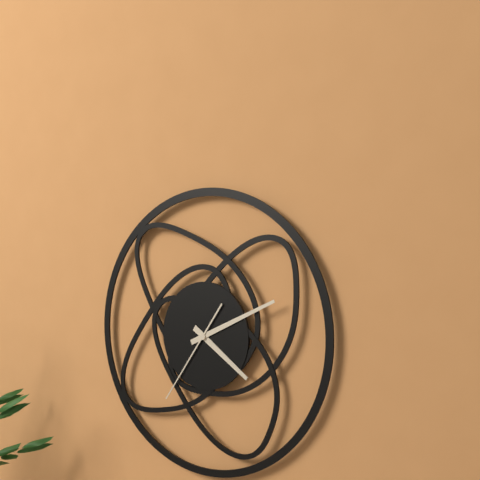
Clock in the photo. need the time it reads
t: 4:11:36
